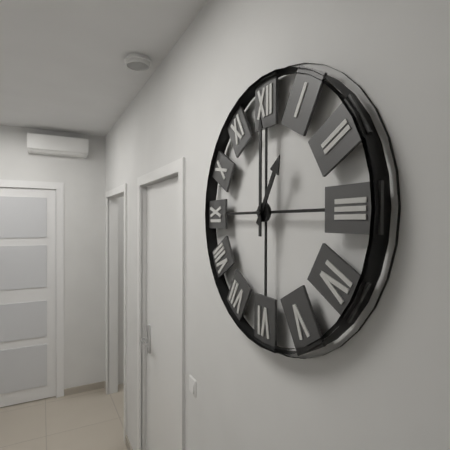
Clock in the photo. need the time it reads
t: 1:00
